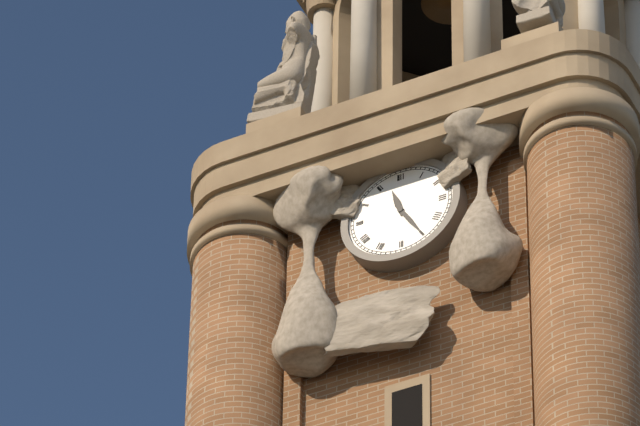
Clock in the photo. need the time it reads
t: 11:25
